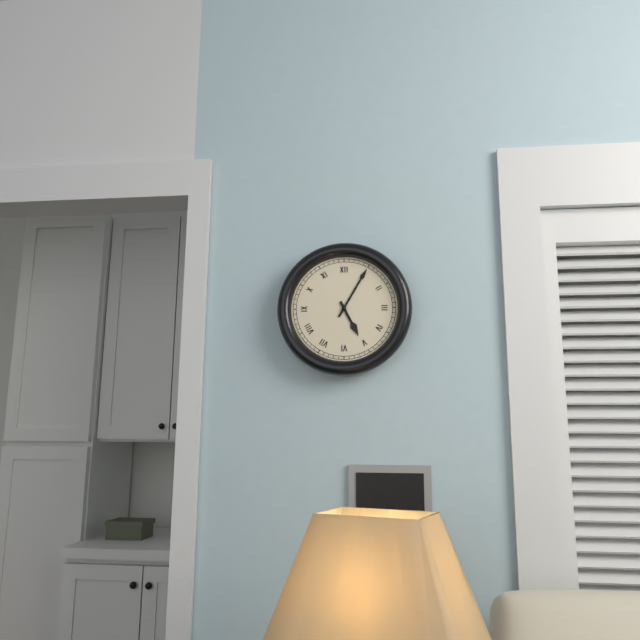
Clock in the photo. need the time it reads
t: 5:05
